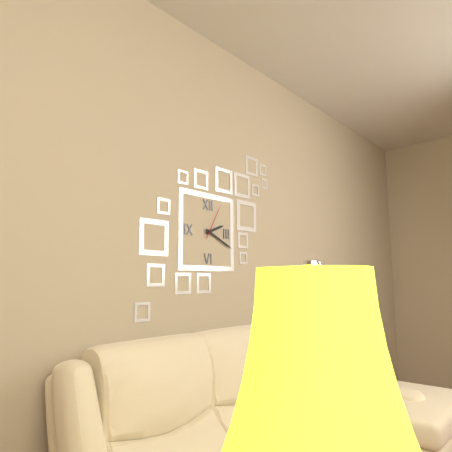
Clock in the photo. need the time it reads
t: 2:19
